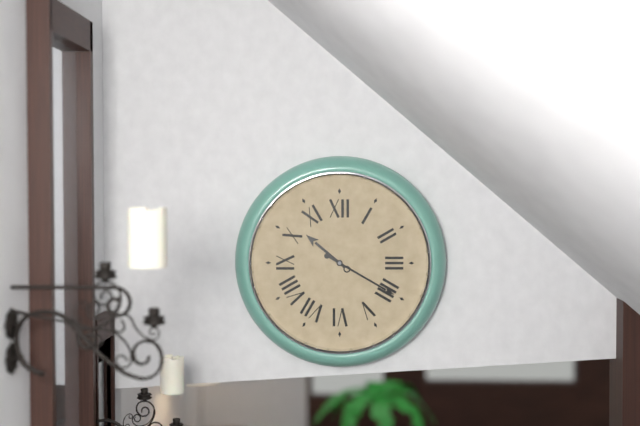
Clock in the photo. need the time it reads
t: 10:20
